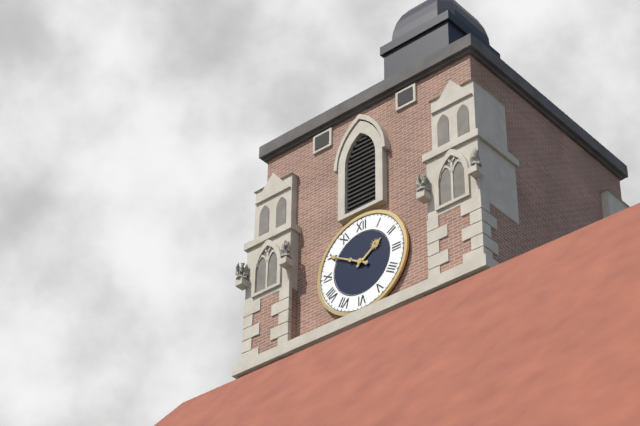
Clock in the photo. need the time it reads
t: 1:50
